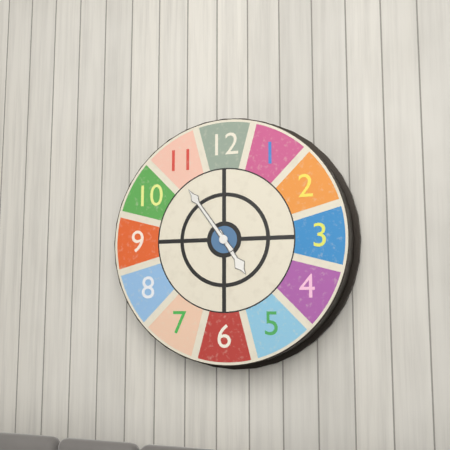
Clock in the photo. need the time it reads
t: 4:54
